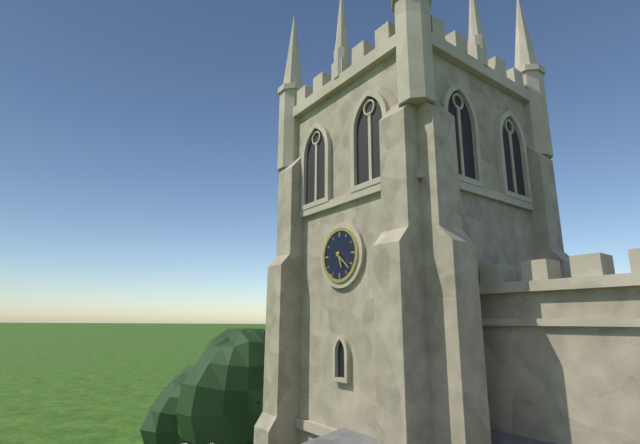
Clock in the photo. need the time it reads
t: 5:22
